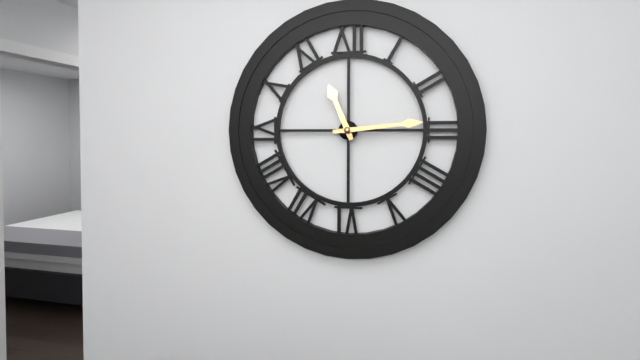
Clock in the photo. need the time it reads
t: 11:14
